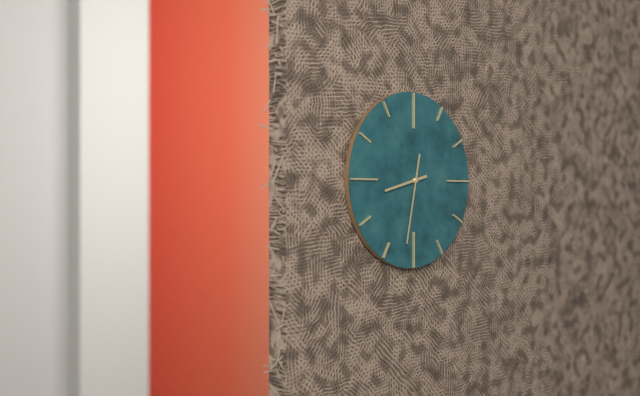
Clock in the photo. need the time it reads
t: 8:32
